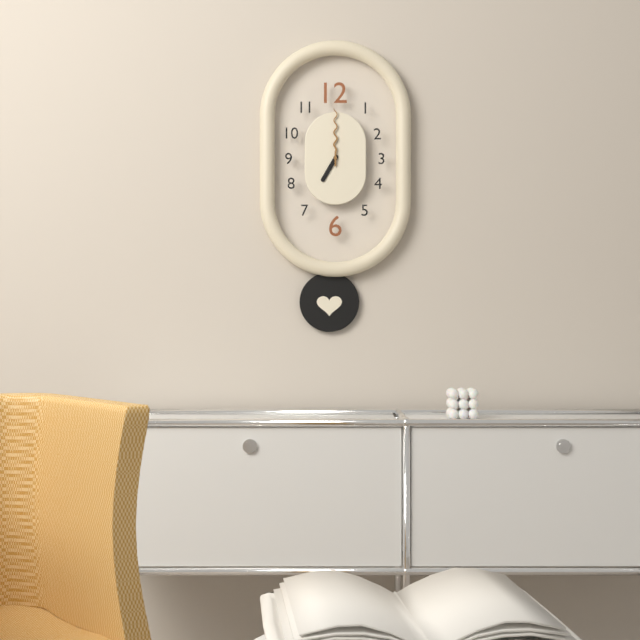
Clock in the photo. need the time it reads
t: 7:00
